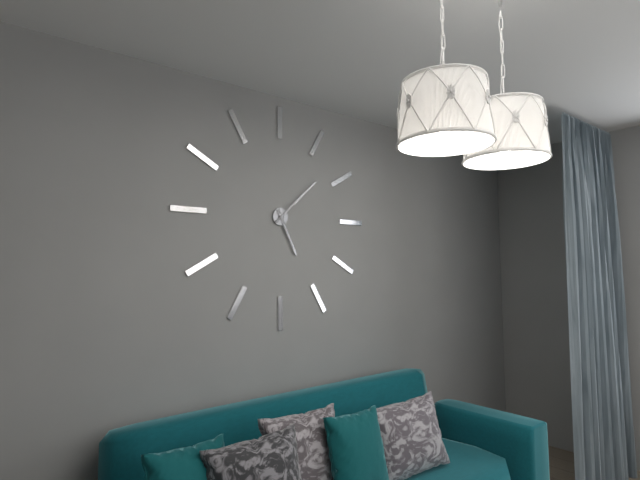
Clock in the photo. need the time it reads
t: 5:08
